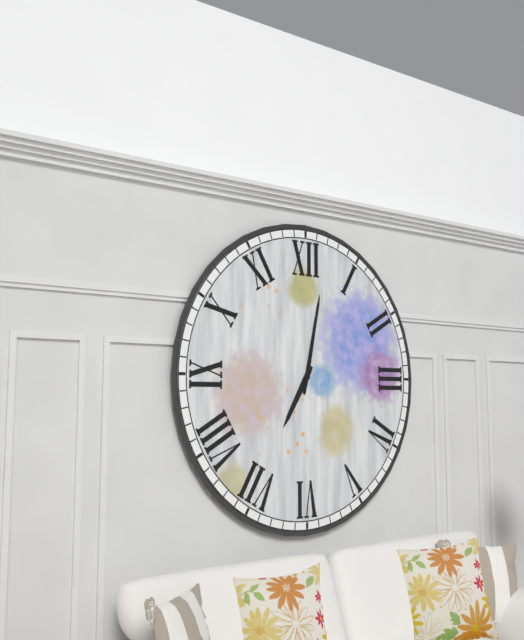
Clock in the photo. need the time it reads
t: 7:02
